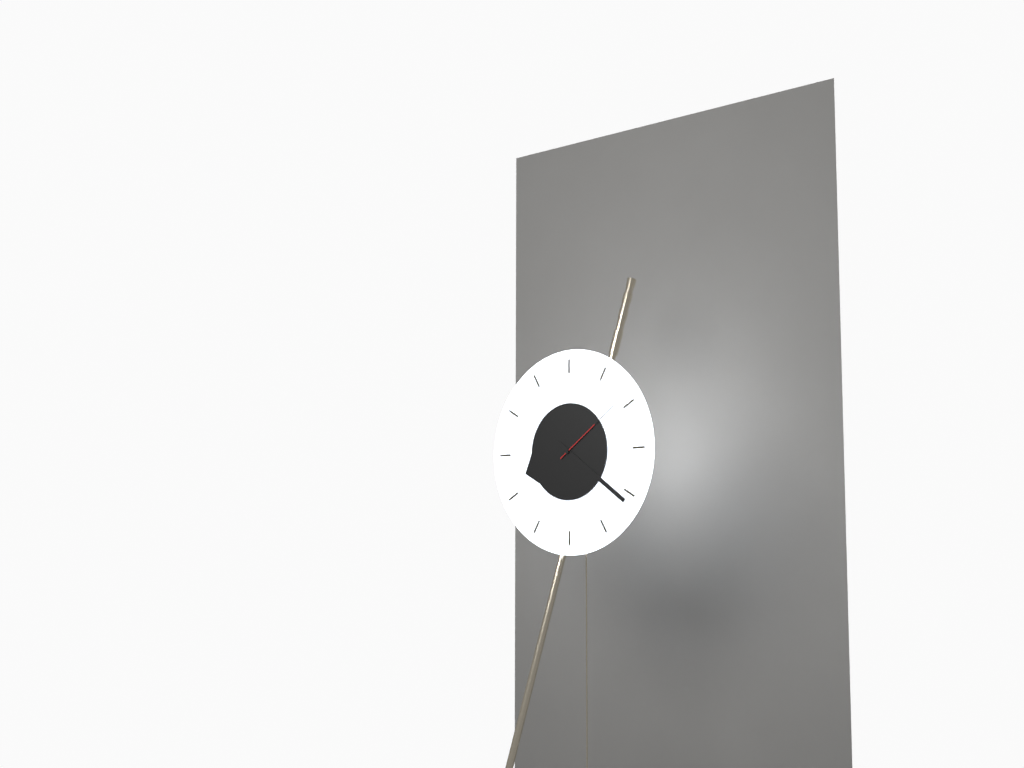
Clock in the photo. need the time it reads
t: 8:21:09
